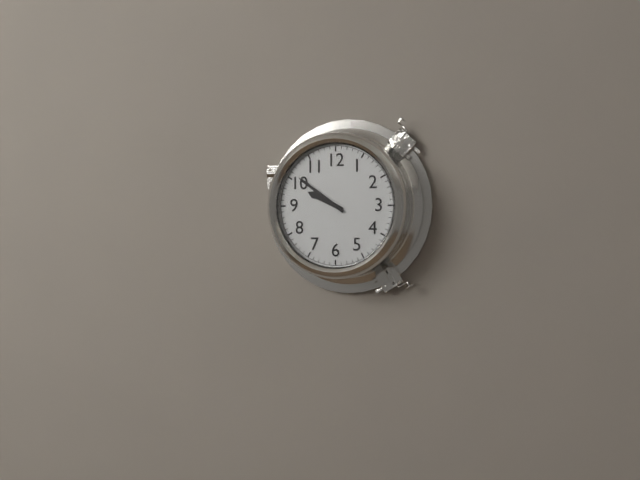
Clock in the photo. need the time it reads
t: 9:51
